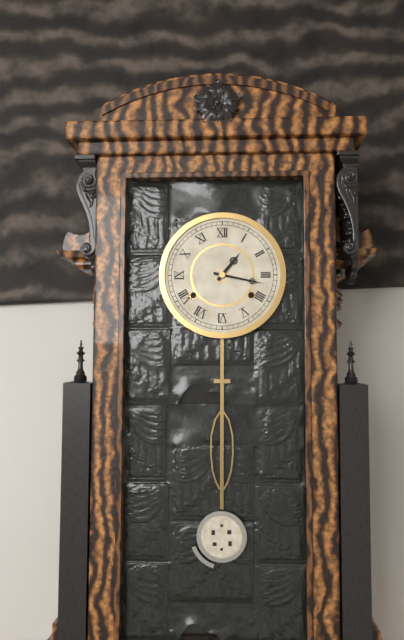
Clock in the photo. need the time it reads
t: 1:17
